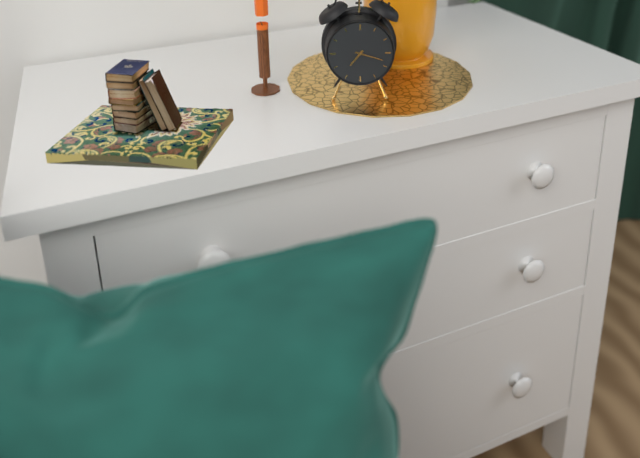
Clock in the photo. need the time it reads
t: 7:18
